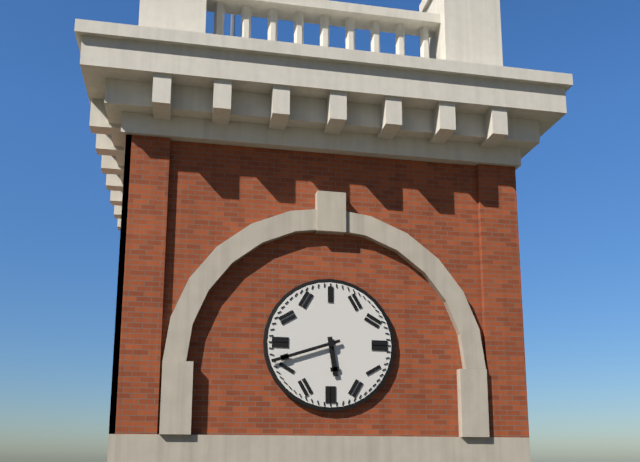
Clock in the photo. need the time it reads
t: 5:42
